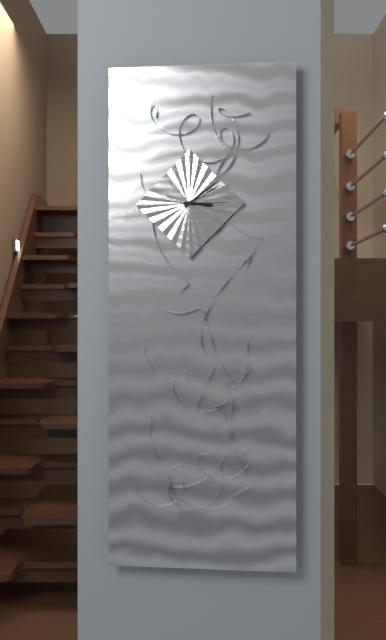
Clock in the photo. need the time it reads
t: 3:09
